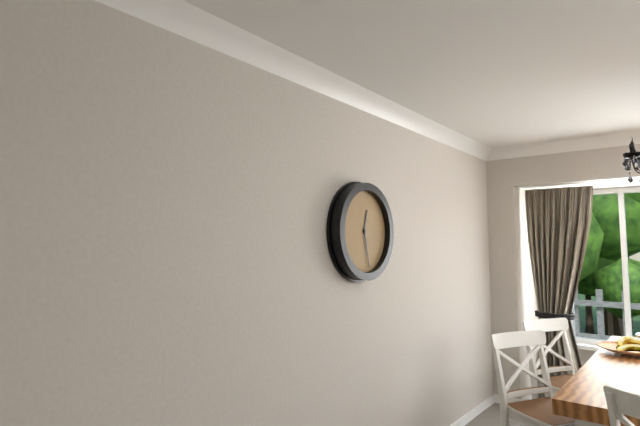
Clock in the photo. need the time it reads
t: 12:28
